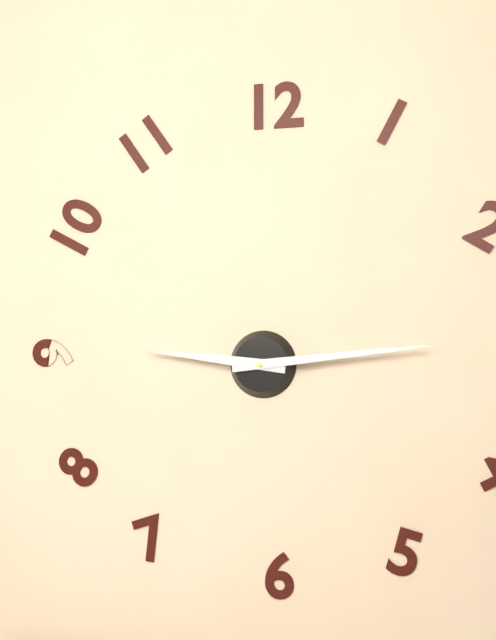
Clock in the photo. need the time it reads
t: 9:14
